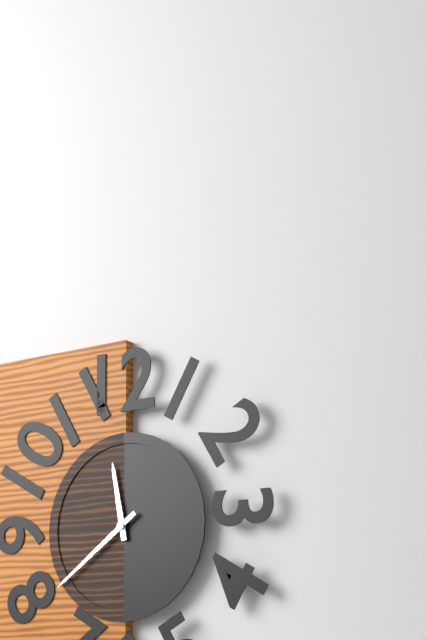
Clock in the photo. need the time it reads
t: 11:39
